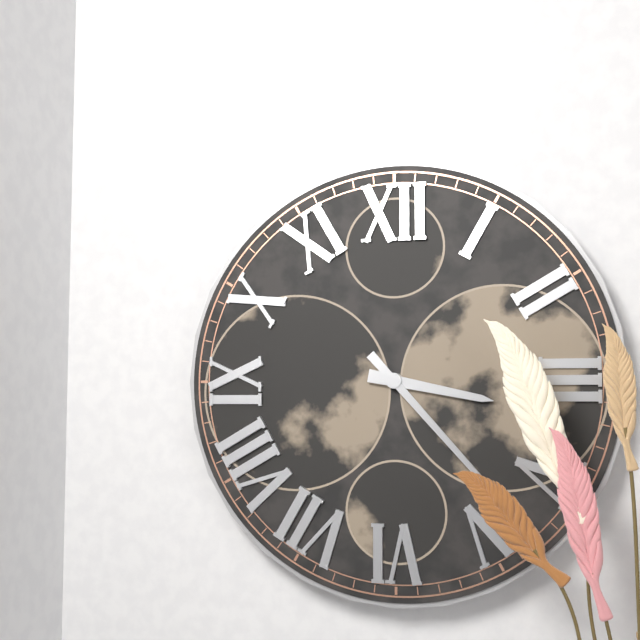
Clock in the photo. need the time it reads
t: 3:23
